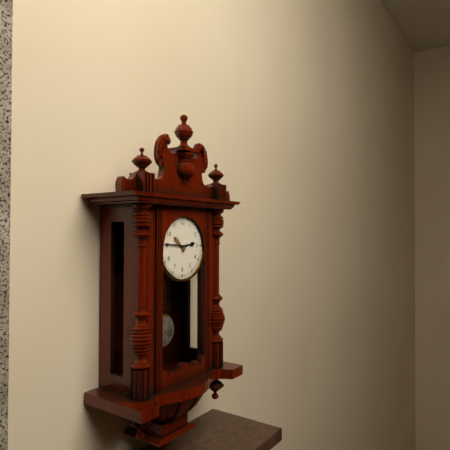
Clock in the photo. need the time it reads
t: 2:46
